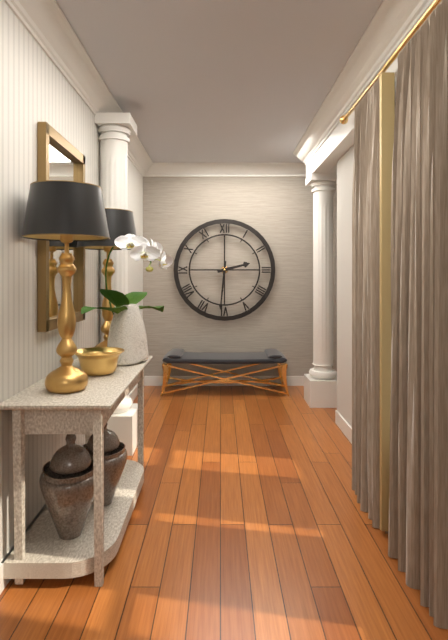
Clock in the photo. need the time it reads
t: 2:31
